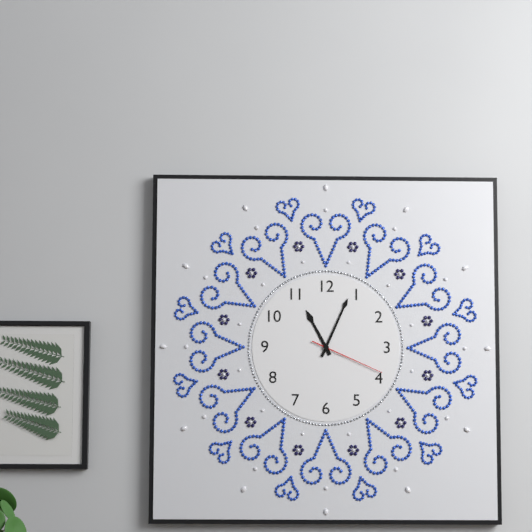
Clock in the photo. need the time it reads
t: 11:04:19
